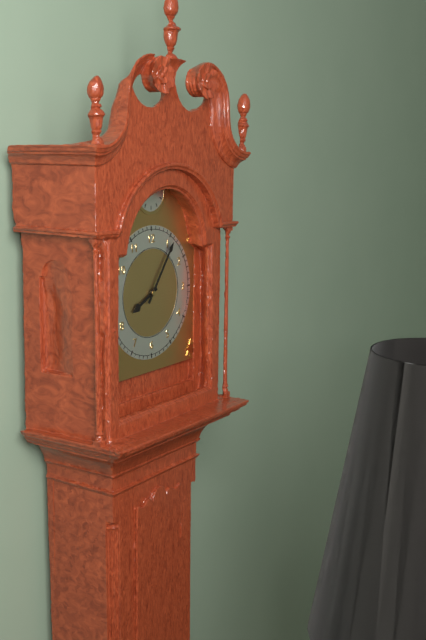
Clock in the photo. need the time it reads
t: 8:06
